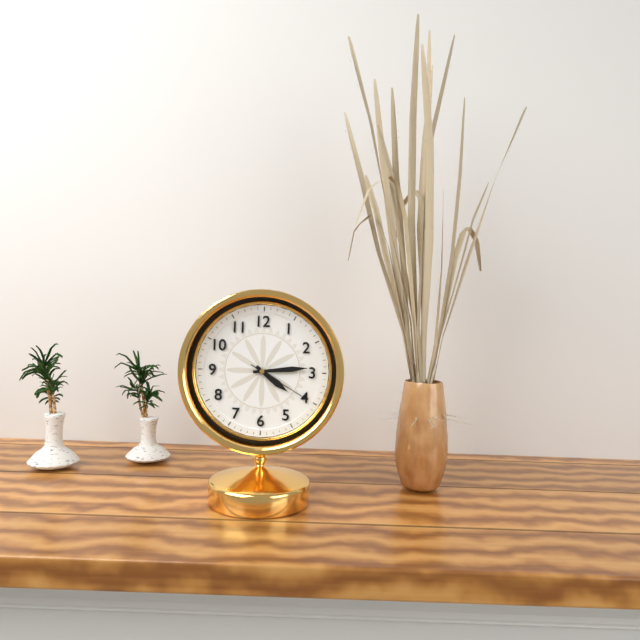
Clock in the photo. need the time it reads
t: 4:14:20
